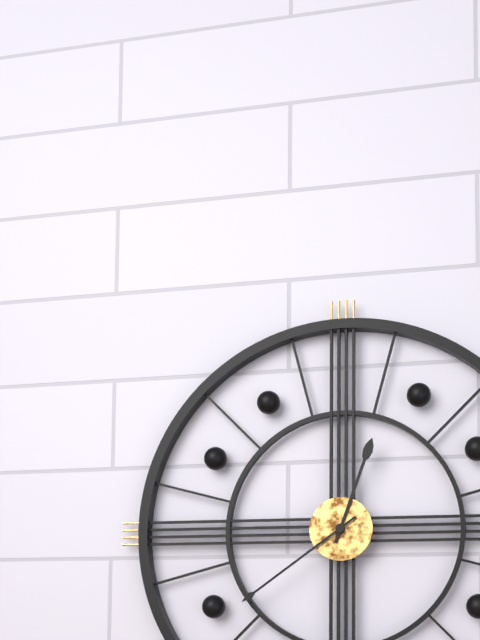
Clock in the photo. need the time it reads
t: 12:39
